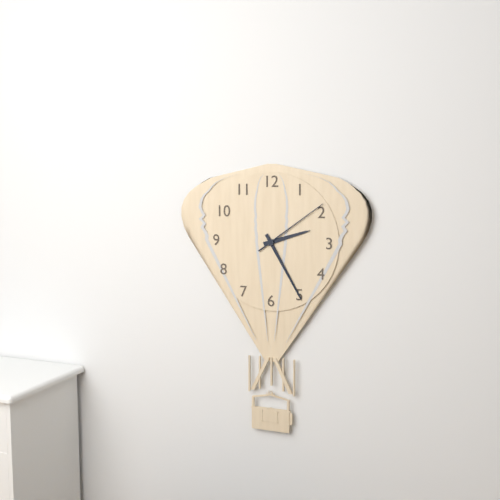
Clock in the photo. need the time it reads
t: 2:25:09
